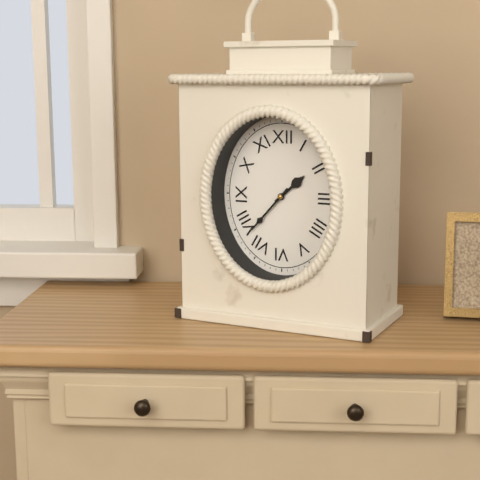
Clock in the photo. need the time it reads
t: 1:37
